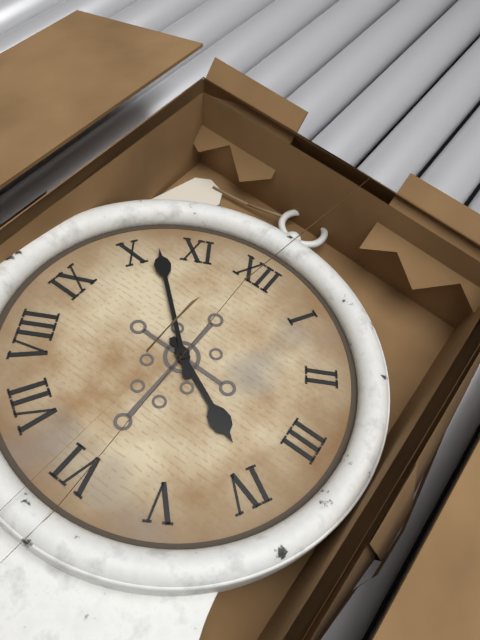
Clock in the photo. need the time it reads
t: 3:52
